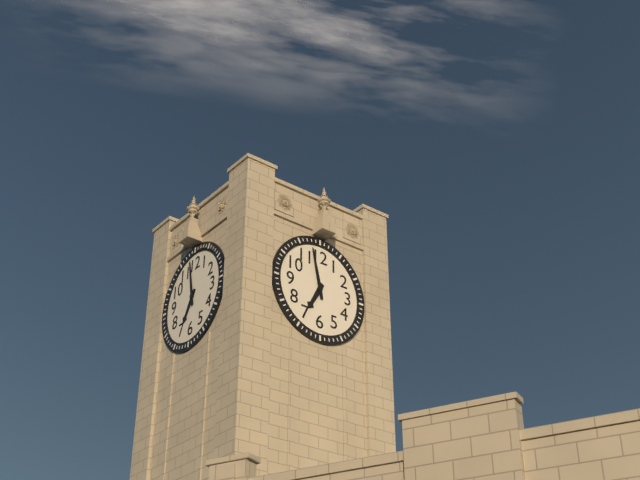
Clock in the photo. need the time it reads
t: 6:58
